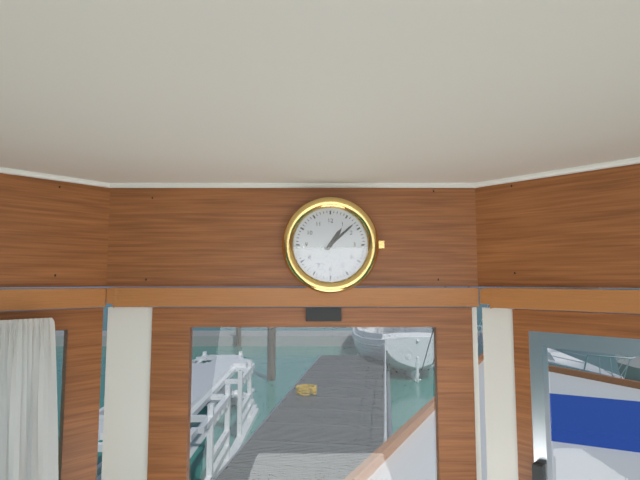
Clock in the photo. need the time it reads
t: 1:08
